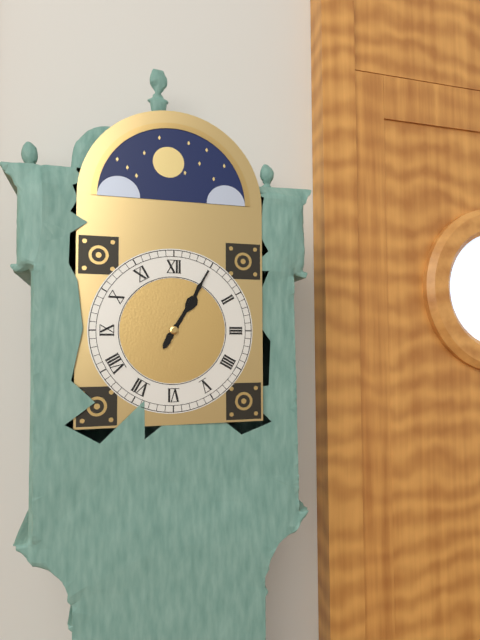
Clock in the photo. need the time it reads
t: 1:05
